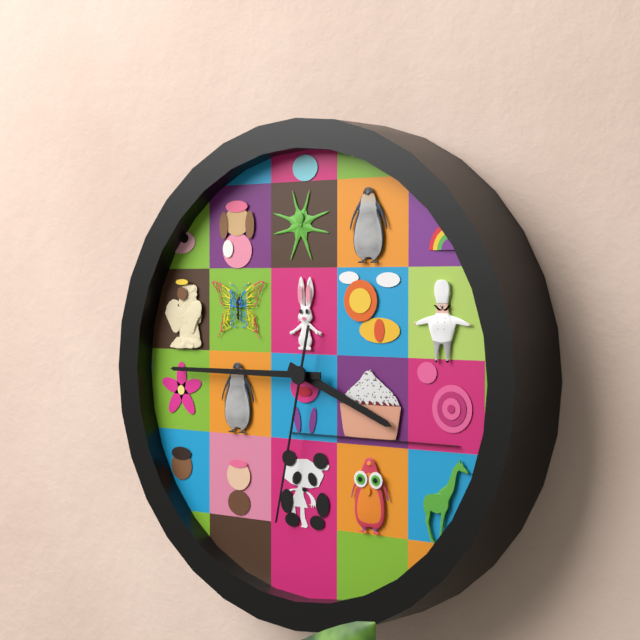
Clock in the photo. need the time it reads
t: 3:45:32
